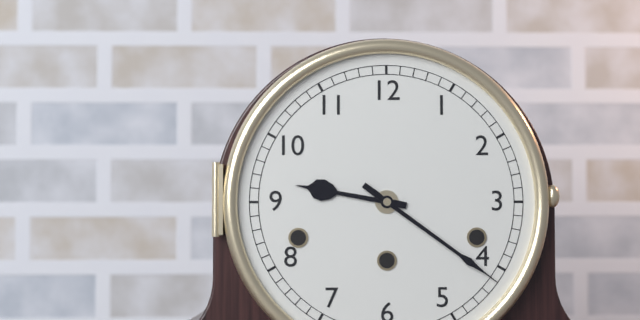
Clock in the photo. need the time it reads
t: 9:21
